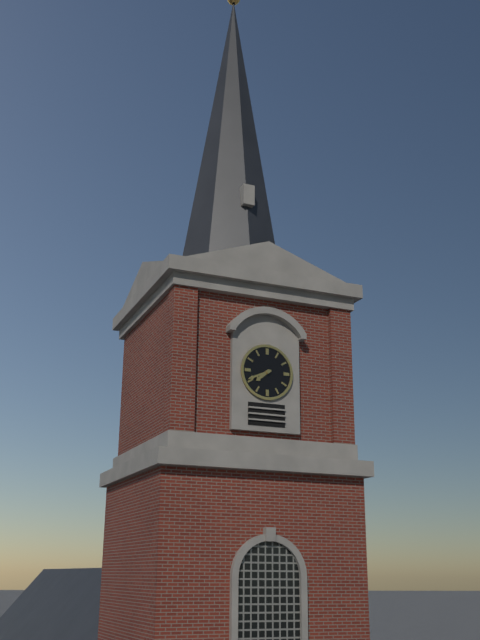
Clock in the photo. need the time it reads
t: 7:41
